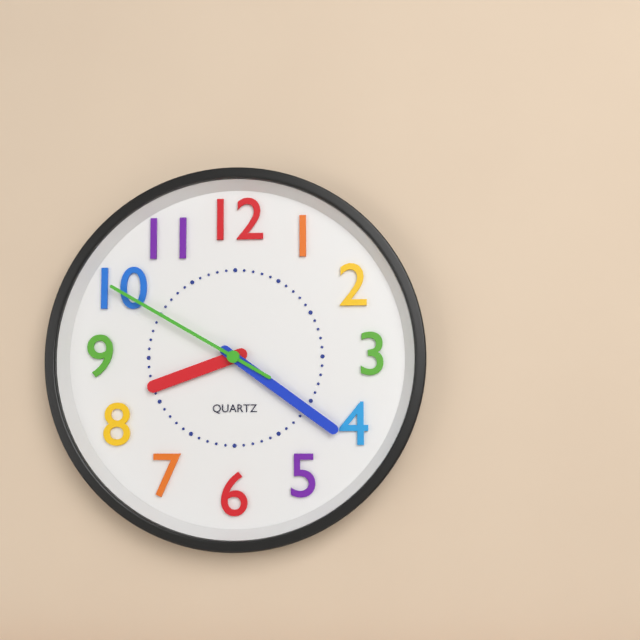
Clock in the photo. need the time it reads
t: 8:21:50
